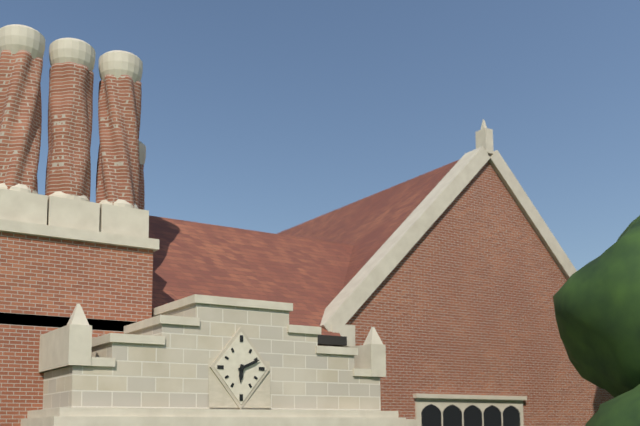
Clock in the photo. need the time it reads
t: 6:11
